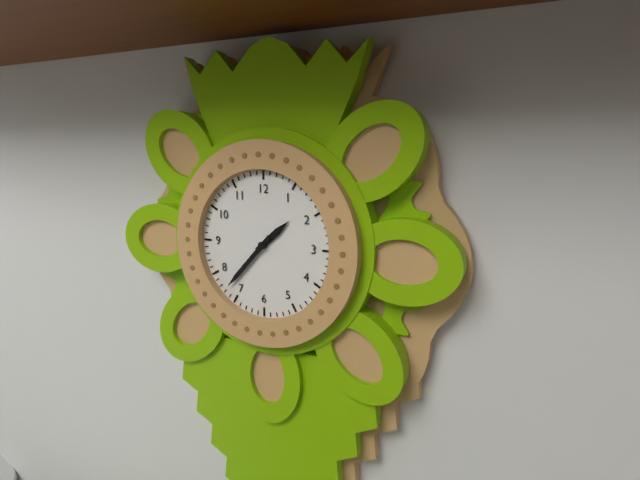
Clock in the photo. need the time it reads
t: 1:37
